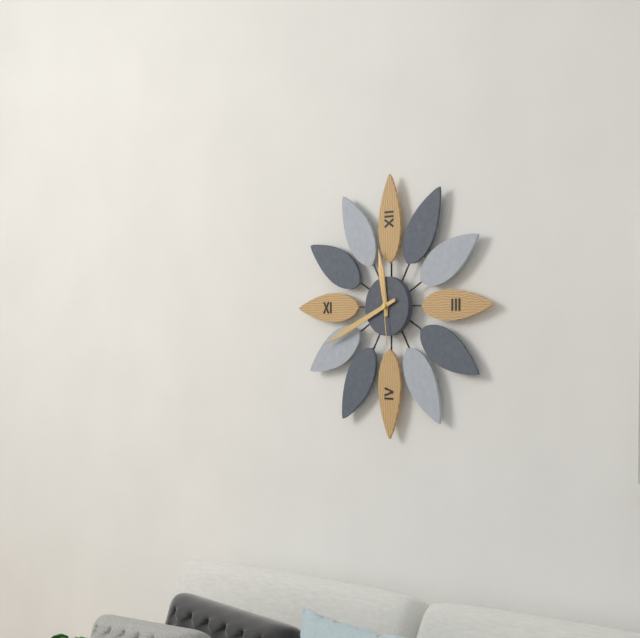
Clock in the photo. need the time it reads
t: 11:41:59
